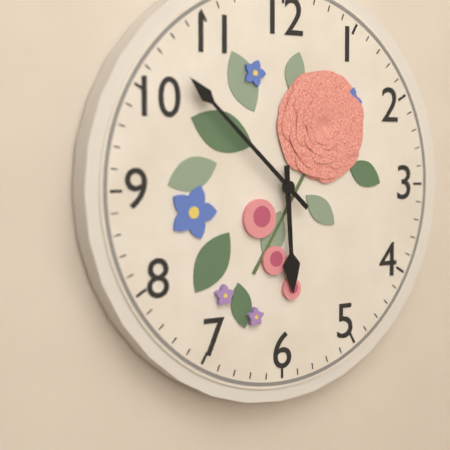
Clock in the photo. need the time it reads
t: 5:52
